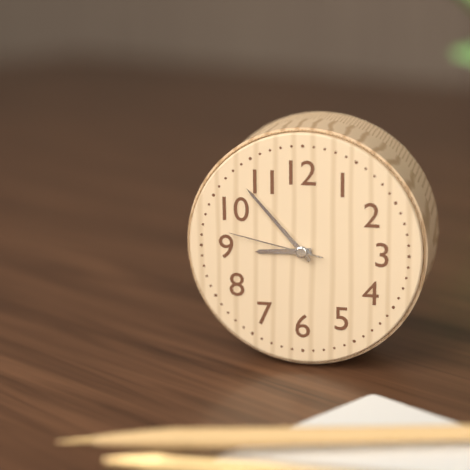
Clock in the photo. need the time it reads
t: 8:53:47
